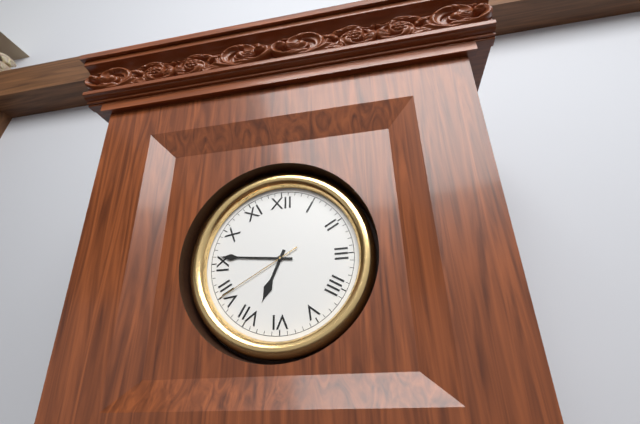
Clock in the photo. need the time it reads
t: 6:46:40
